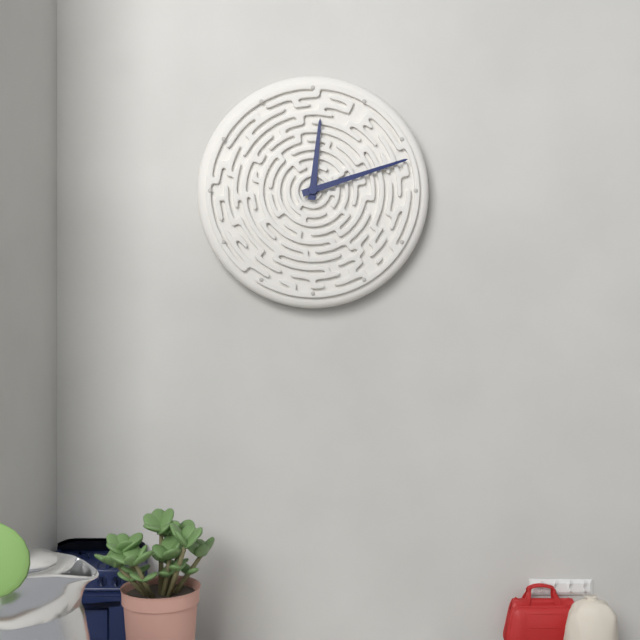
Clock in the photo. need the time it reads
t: 12:12
